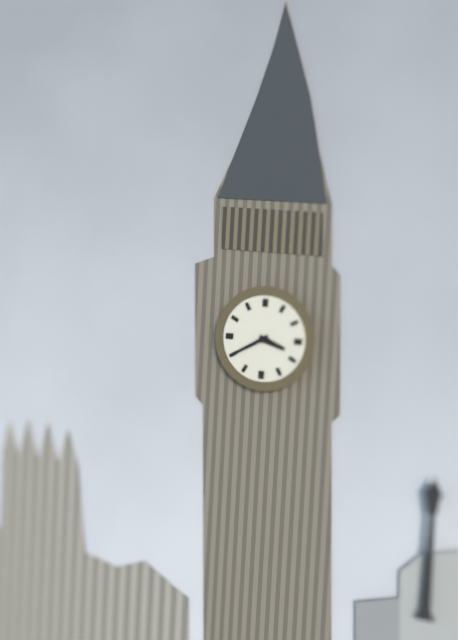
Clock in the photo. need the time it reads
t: 3:40
